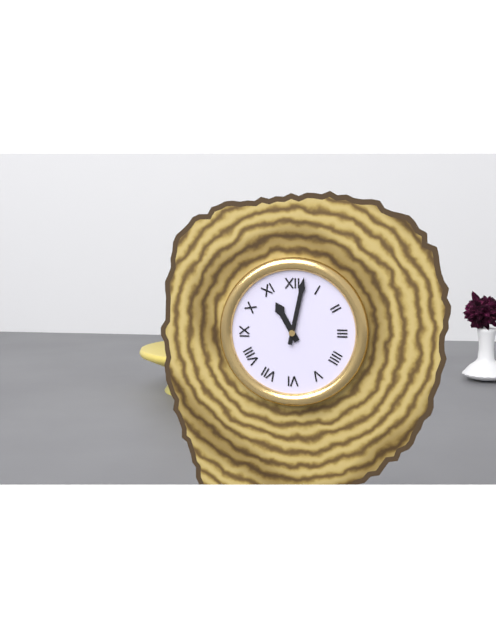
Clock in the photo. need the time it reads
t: 11:02
